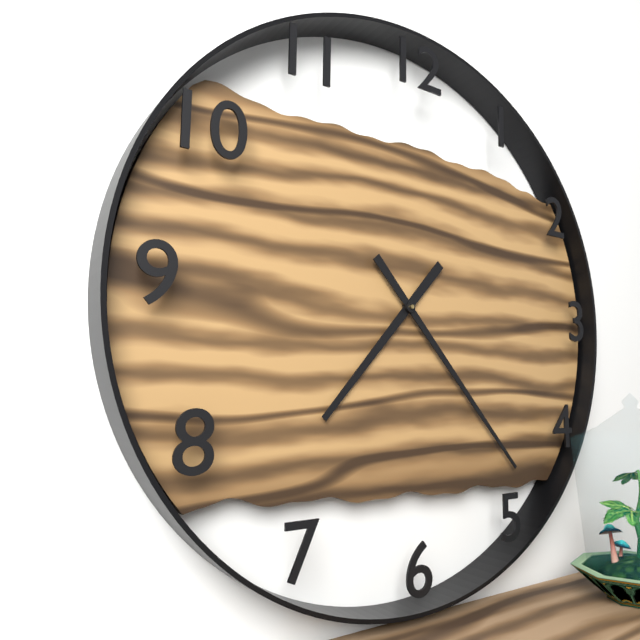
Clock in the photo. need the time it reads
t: 7:23
